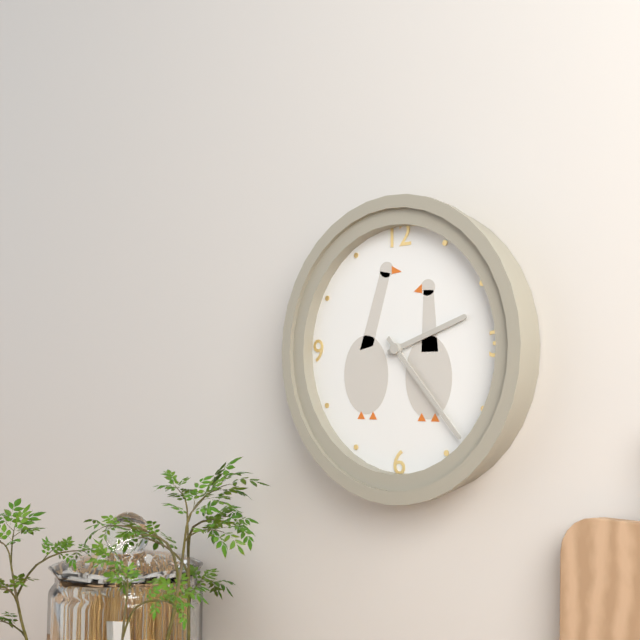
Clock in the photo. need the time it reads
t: 2:23
